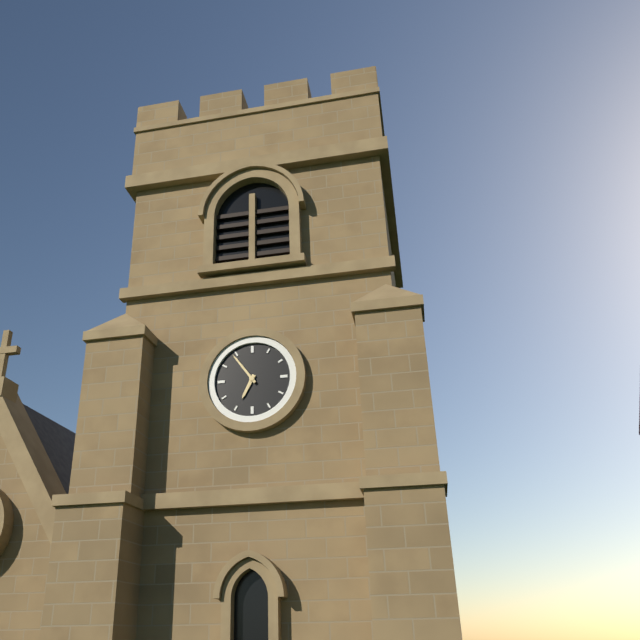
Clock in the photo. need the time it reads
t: 6:54
